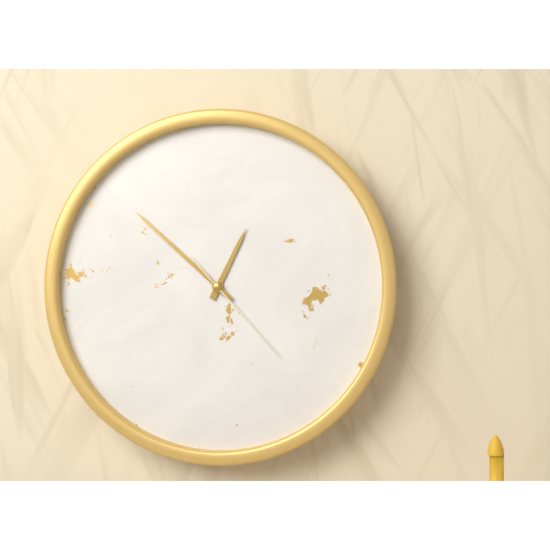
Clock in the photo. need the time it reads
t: 12:52:23
